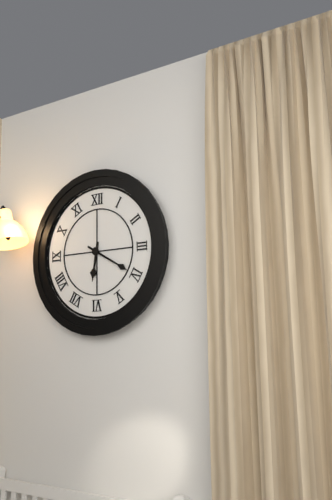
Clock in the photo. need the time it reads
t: 6:20
